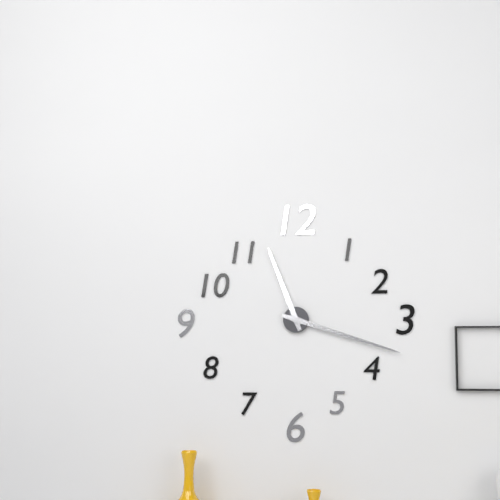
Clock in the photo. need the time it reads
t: 11:18
